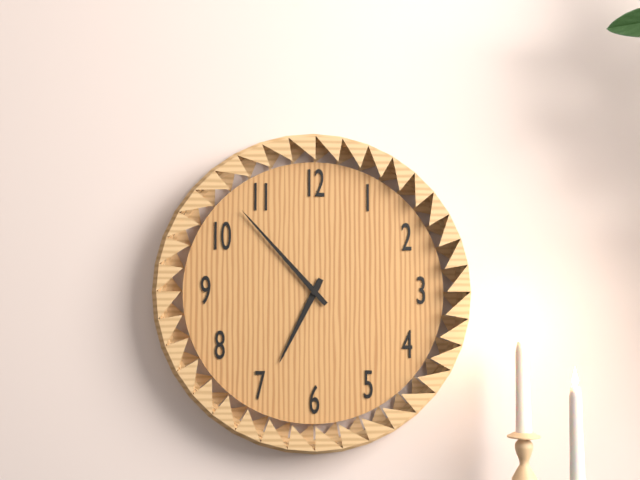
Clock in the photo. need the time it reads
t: 6:53
